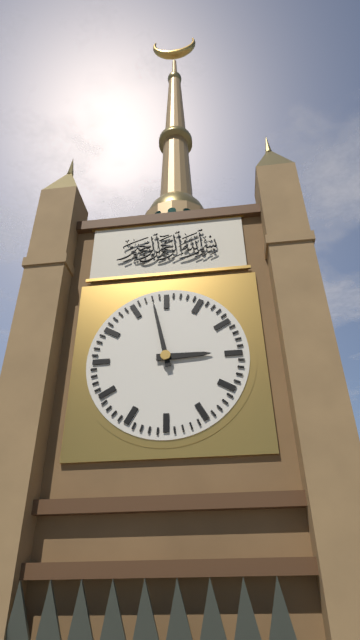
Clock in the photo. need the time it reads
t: 2:58
